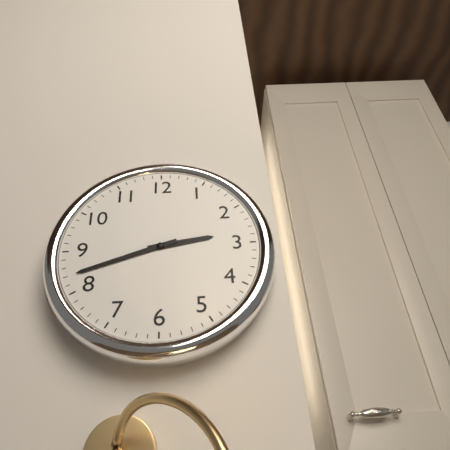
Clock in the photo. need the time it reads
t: 2:42
